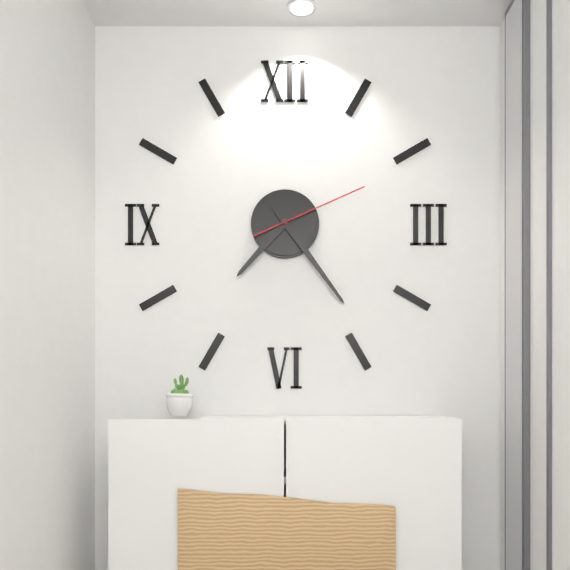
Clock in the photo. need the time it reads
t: 7:24:11
